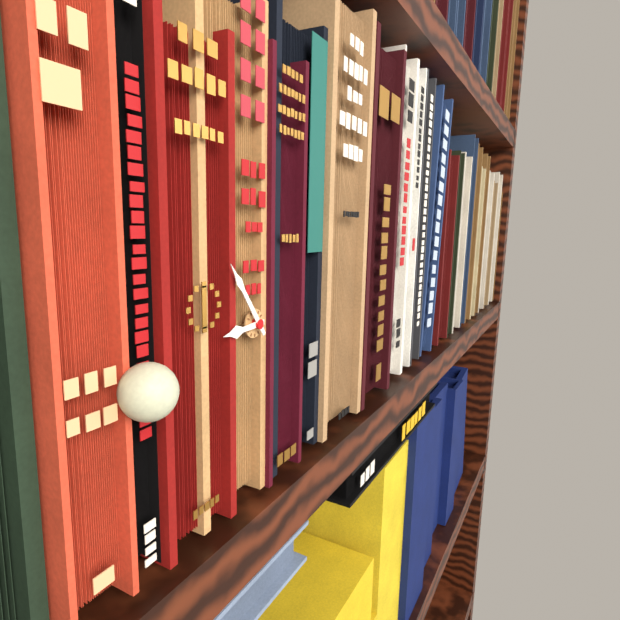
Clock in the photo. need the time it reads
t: 8:54
